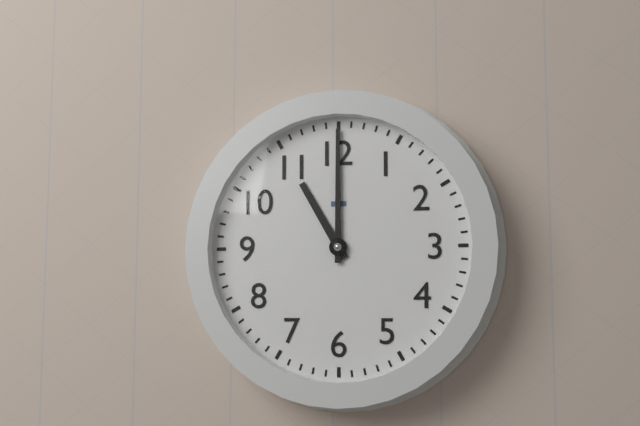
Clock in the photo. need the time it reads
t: 11:00
